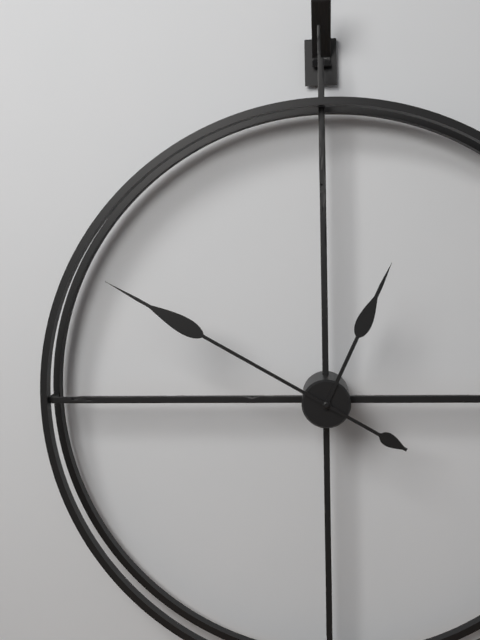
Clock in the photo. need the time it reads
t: 12:50
